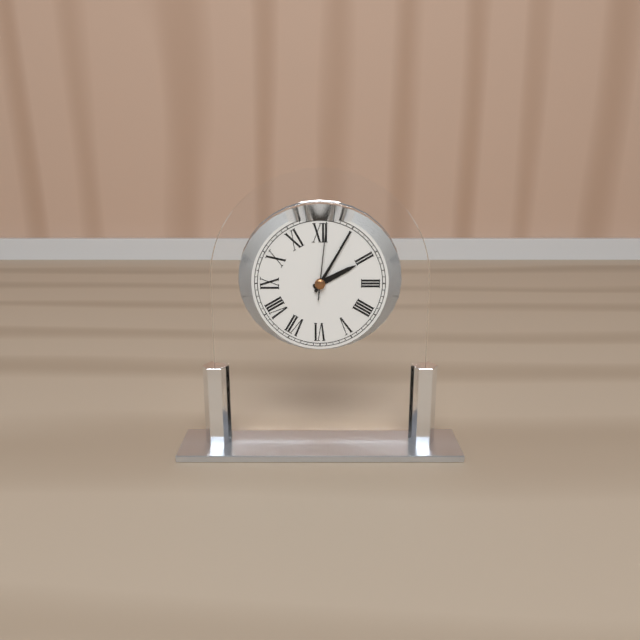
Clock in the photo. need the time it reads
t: 2:05:01
